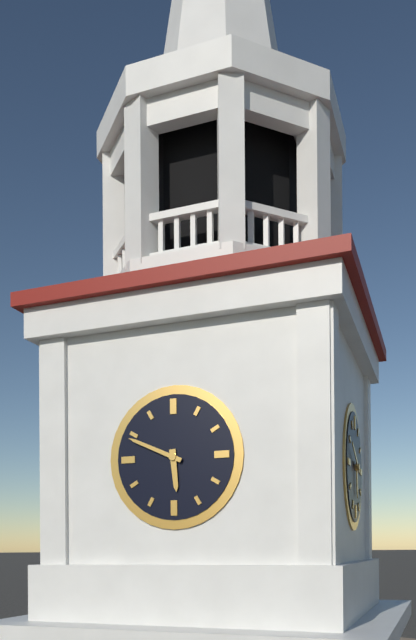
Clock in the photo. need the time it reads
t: 5:49
